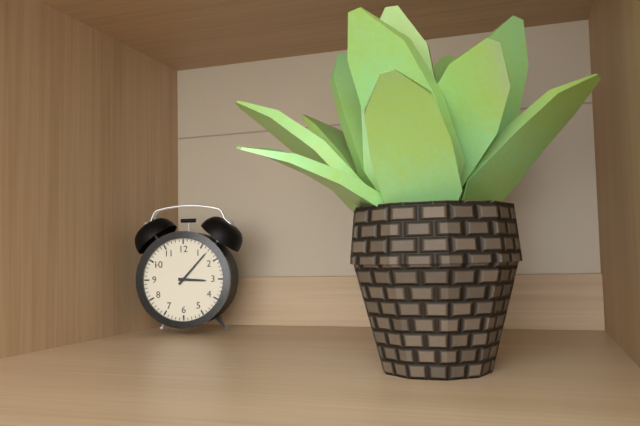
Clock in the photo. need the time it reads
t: 3:07
